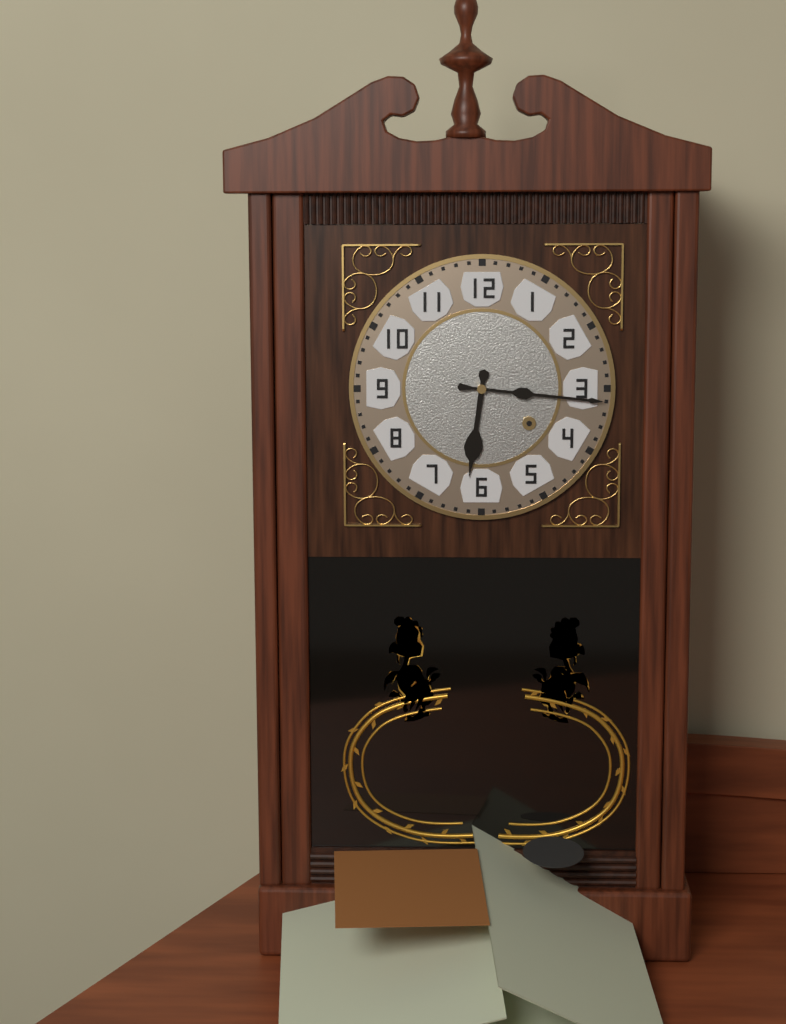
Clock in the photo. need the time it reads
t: 6:16
